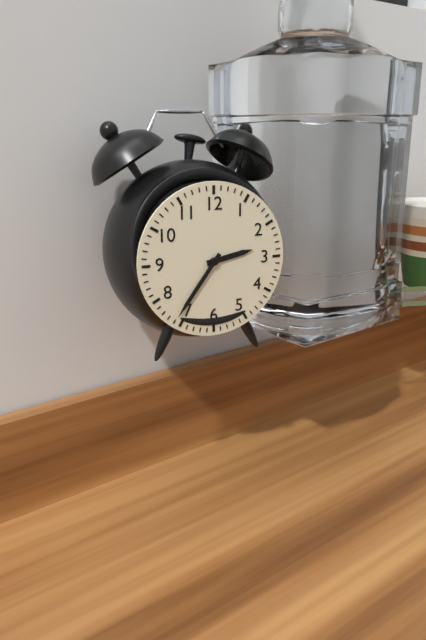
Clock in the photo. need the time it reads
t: 2:36
